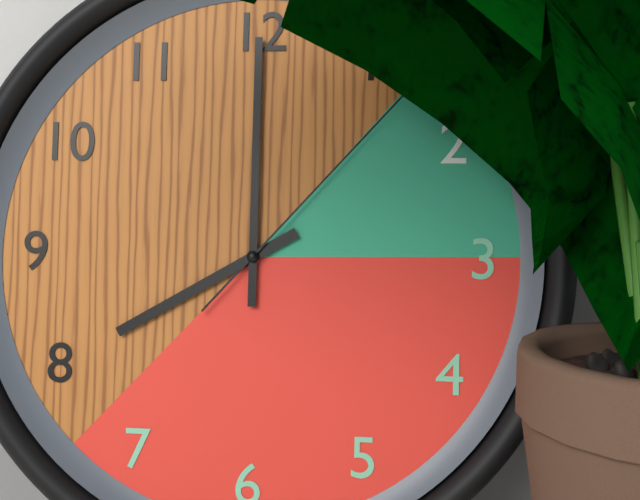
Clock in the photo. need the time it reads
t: 8:00:07
